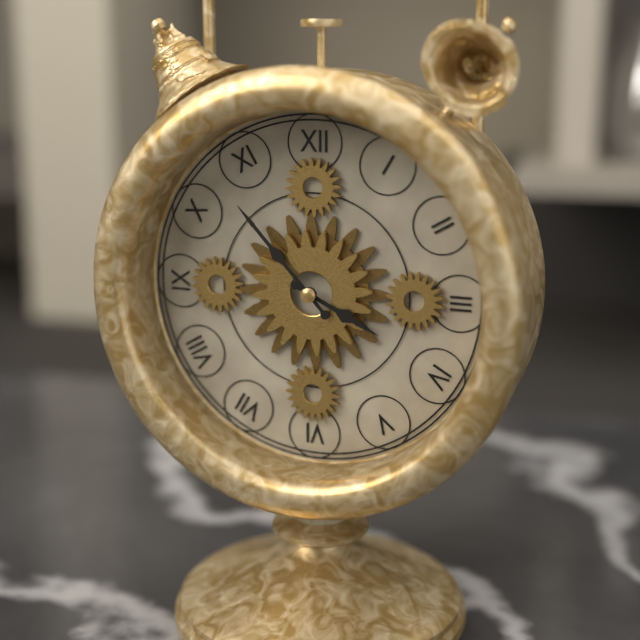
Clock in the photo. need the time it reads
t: 3:53
